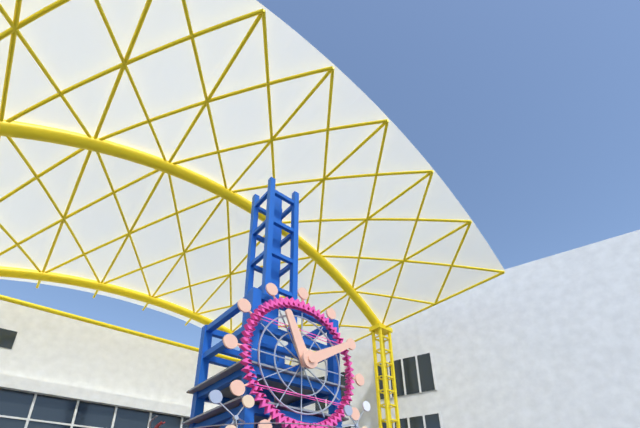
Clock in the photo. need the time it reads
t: 11:10
